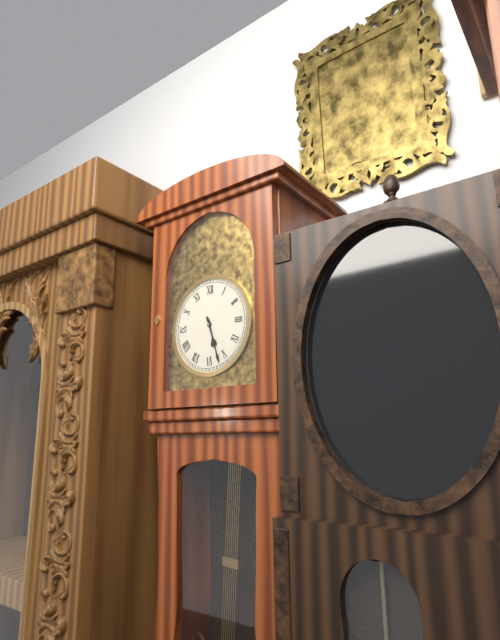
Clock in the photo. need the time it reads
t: 5:27
